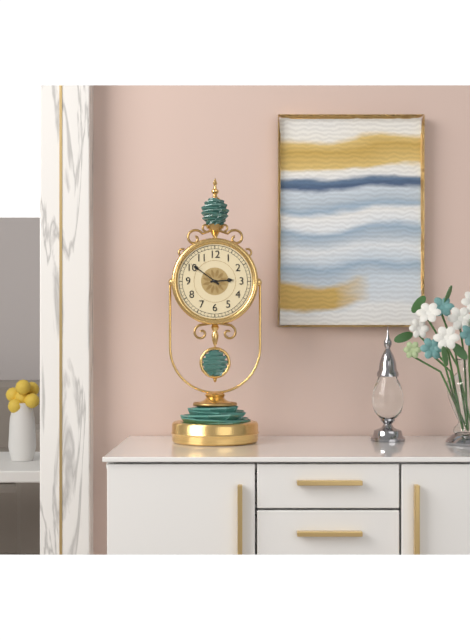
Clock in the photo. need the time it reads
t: 2:51
